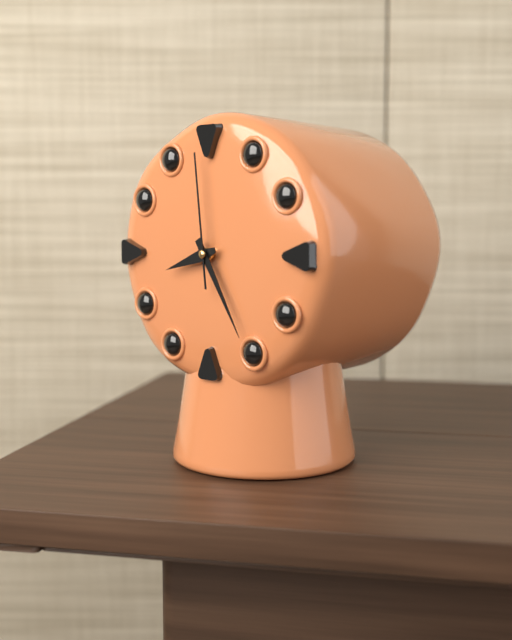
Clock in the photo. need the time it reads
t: 8:25:59
